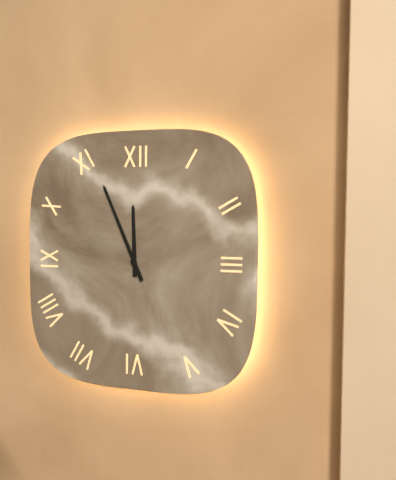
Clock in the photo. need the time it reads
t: 11:56
